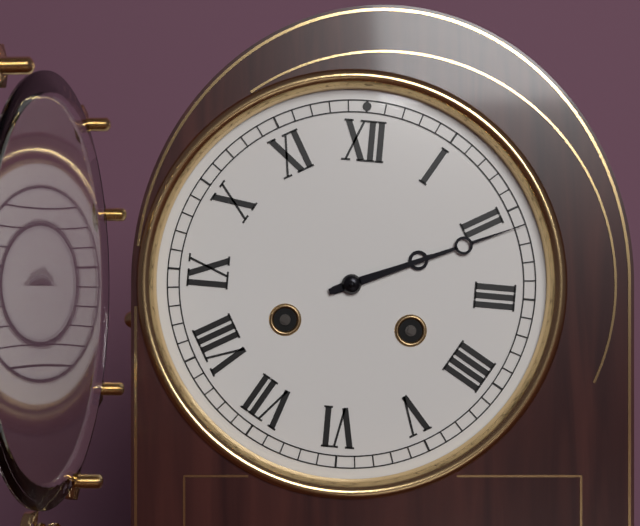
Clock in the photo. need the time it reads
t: 2:11
